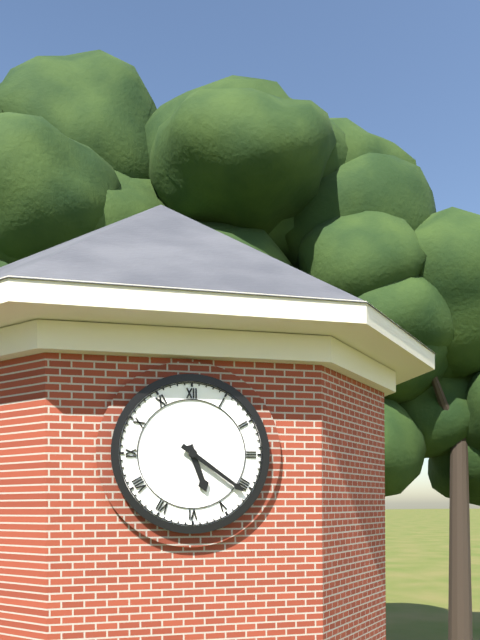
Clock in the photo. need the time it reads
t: 5:21
